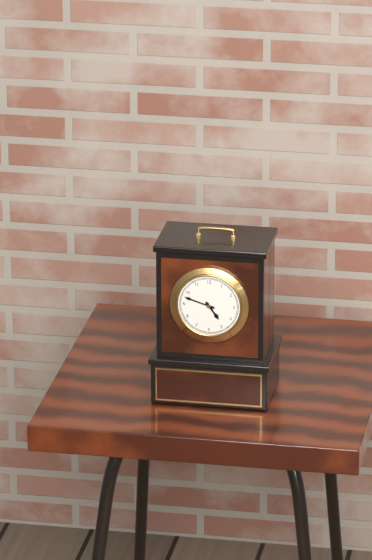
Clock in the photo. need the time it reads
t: 4:48
